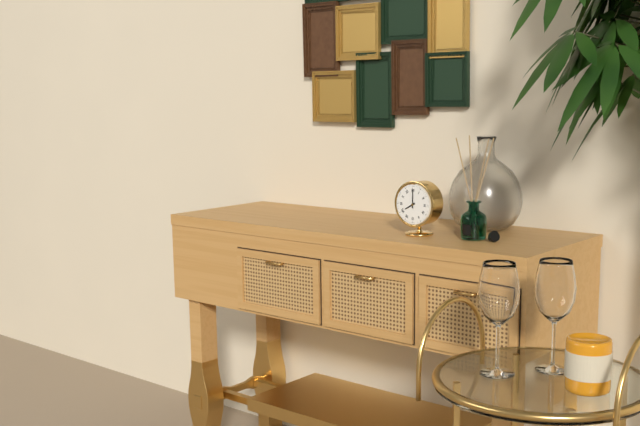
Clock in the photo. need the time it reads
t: 8:00
